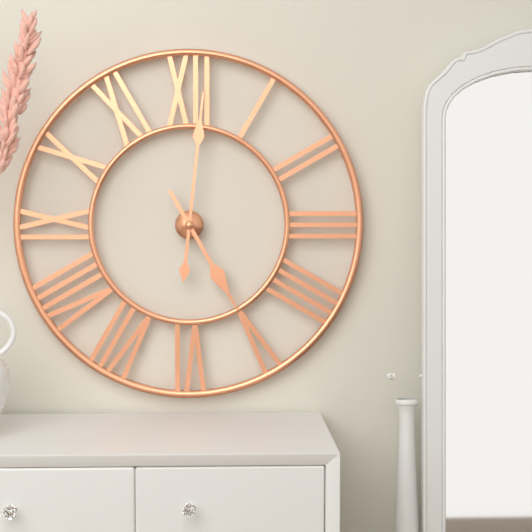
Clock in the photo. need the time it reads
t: 5:01
